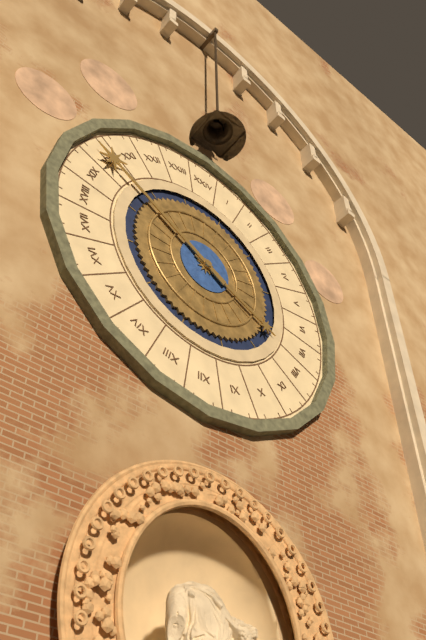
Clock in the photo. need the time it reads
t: 3:50
